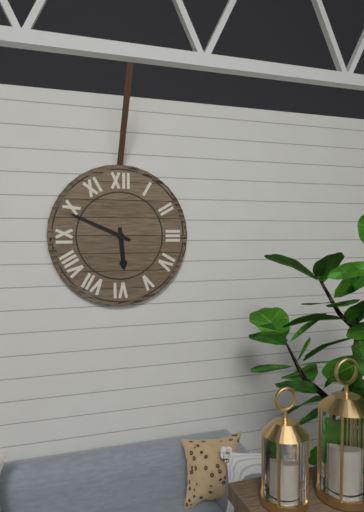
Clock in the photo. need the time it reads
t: 5:49
